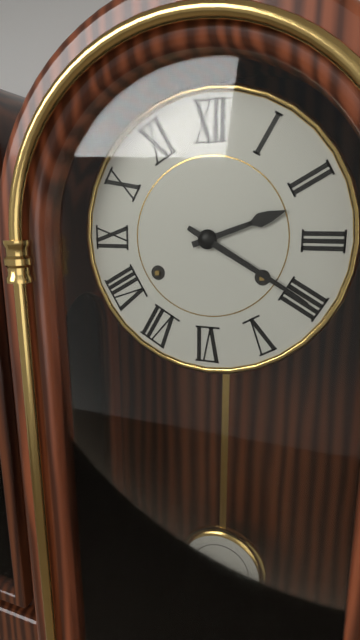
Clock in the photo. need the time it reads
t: 2:20
